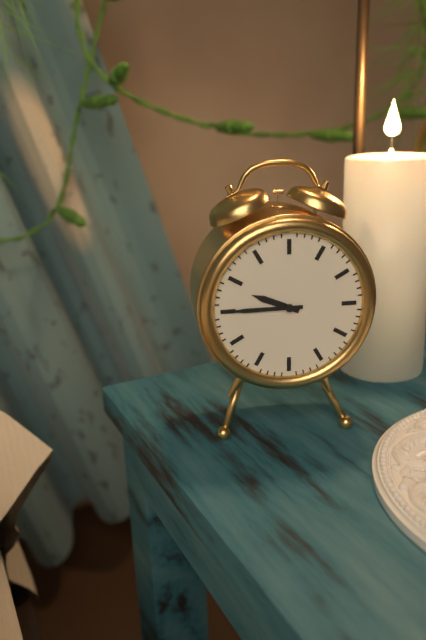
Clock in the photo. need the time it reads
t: 9:45
